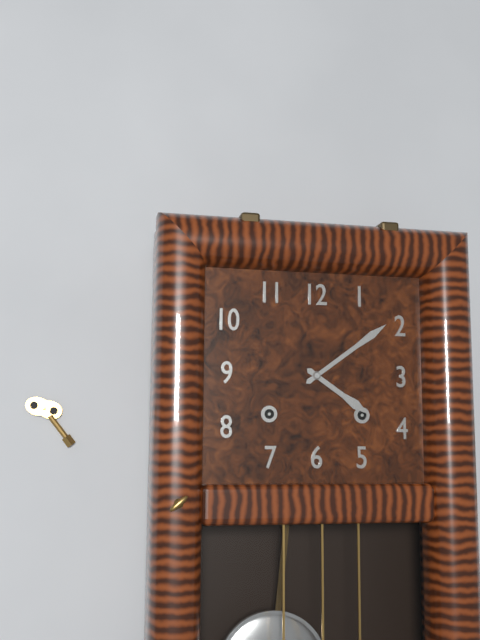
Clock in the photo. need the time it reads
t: 4:09
